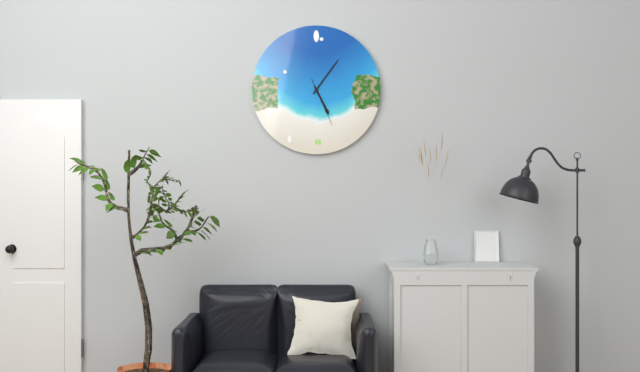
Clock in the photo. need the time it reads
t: 5:06
